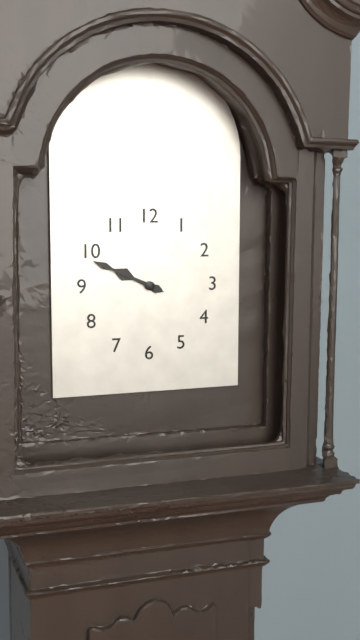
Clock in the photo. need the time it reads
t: 9:49
